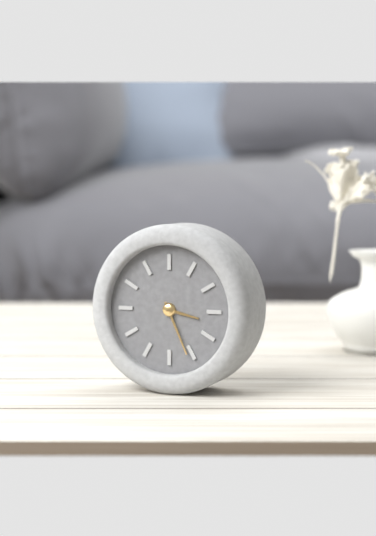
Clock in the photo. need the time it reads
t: 3:26
